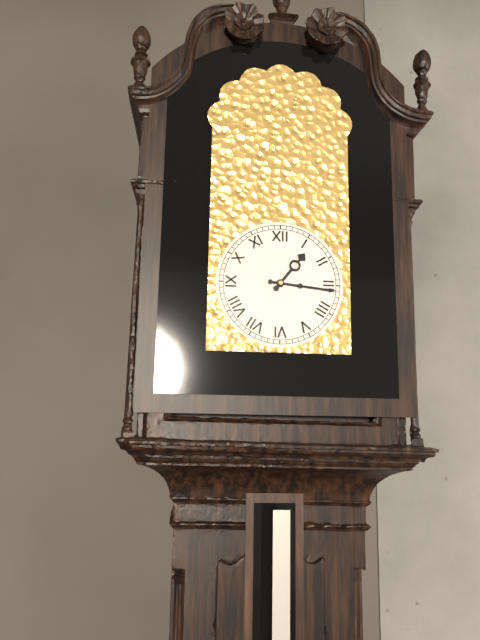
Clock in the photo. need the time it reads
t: 1:16
